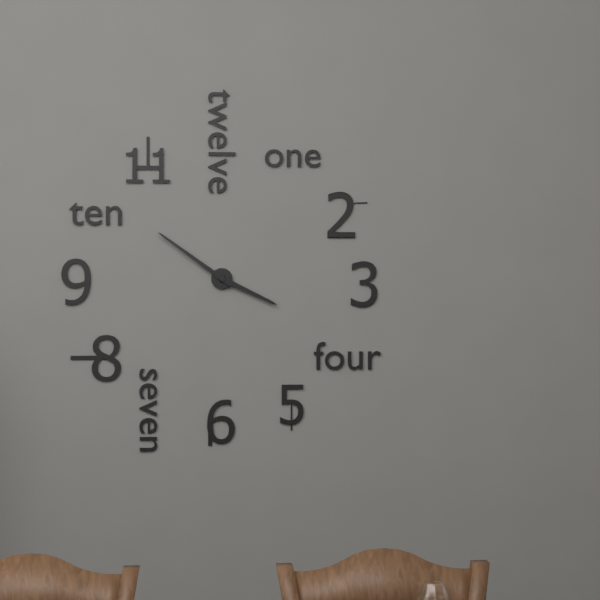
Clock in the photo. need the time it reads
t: 3:51
